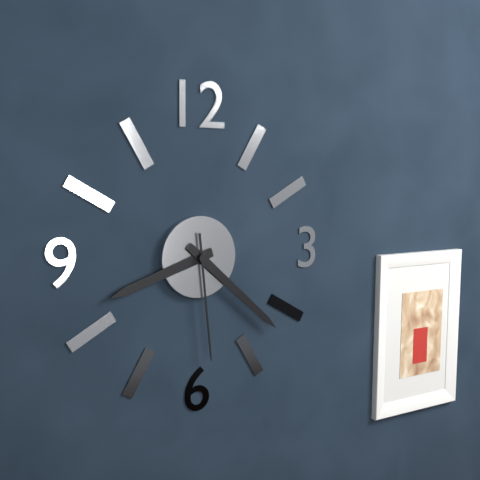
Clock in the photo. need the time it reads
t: 8:22:29
